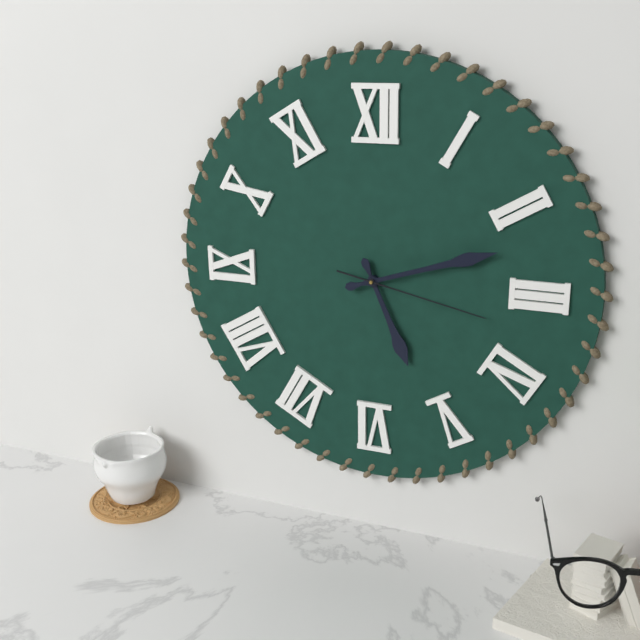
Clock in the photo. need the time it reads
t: 5:12:17
